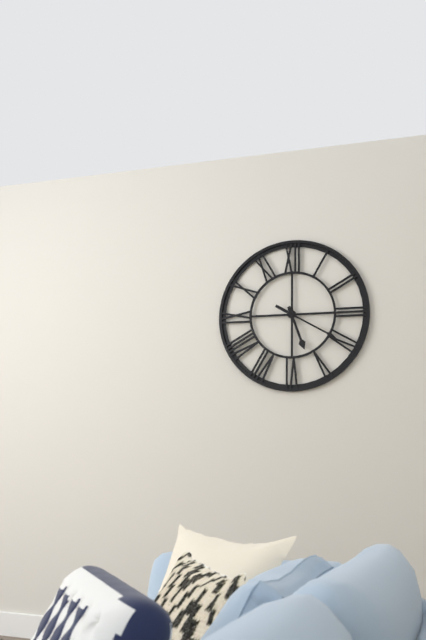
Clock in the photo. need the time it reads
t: 5:20
